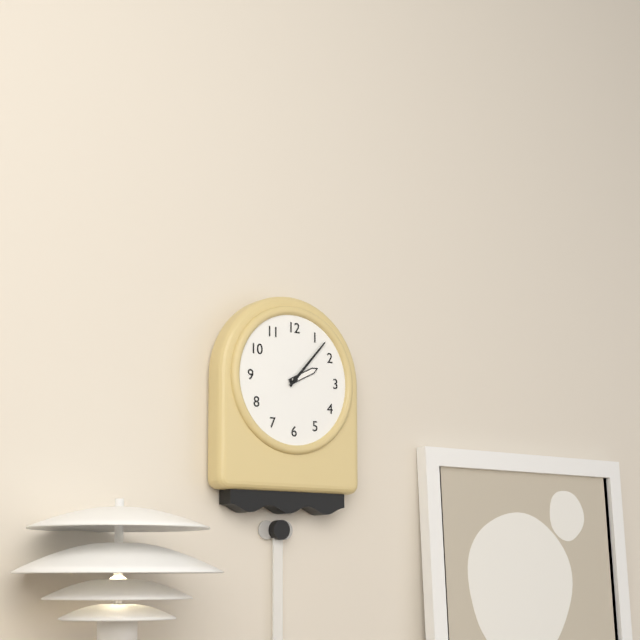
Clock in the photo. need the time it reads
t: 2:07
